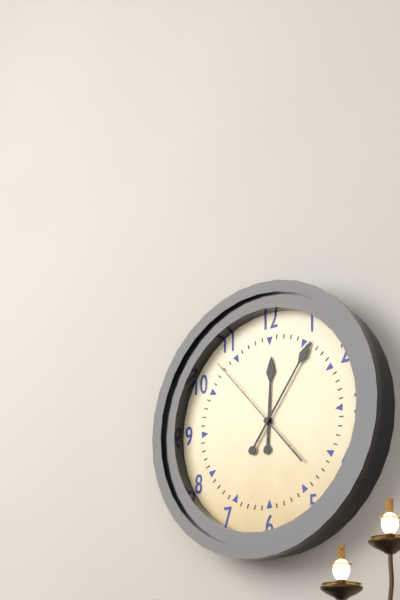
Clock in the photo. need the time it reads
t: 12:06:53
